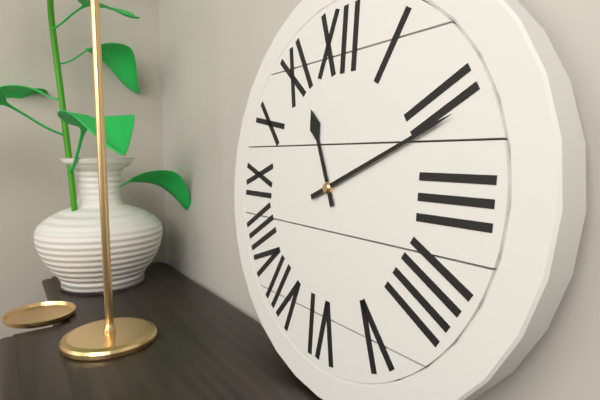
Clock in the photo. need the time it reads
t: 11:11
